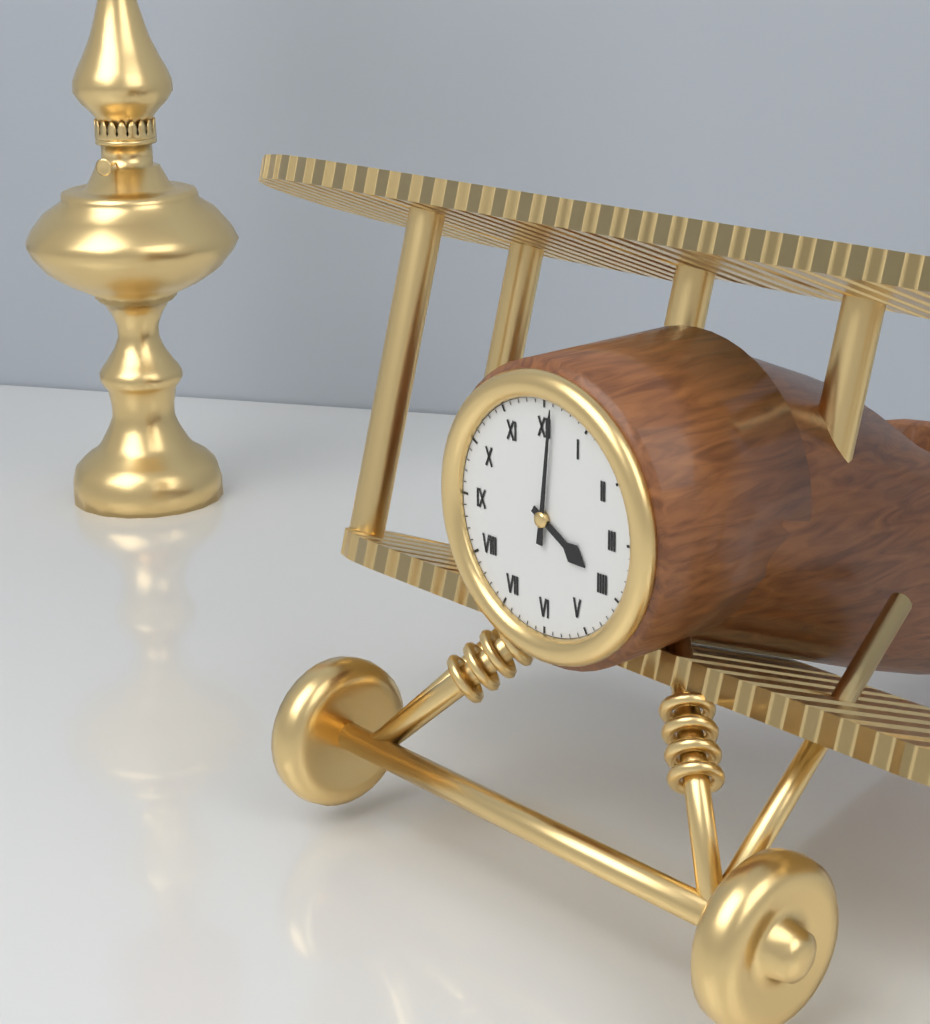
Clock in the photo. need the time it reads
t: 4:01
